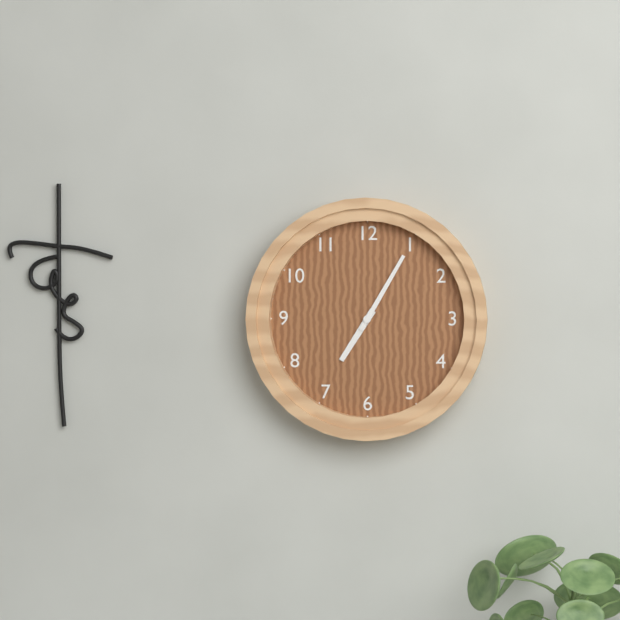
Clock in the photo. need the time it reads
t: 7:05
